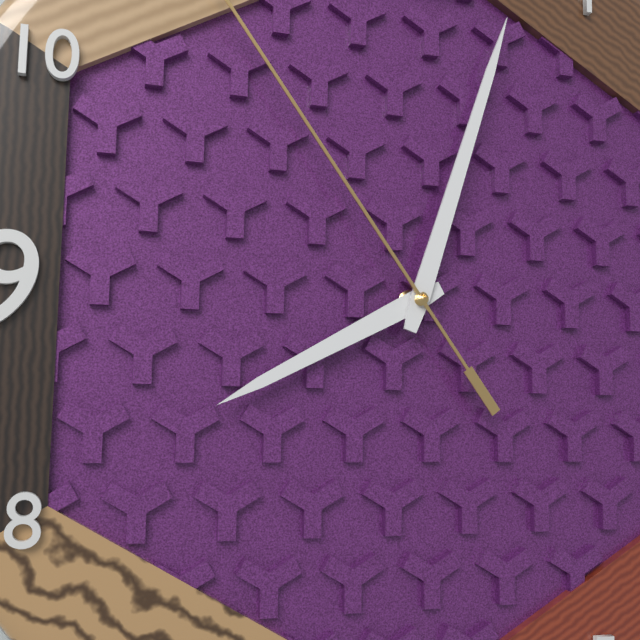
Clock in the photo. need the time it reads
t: 8:03
